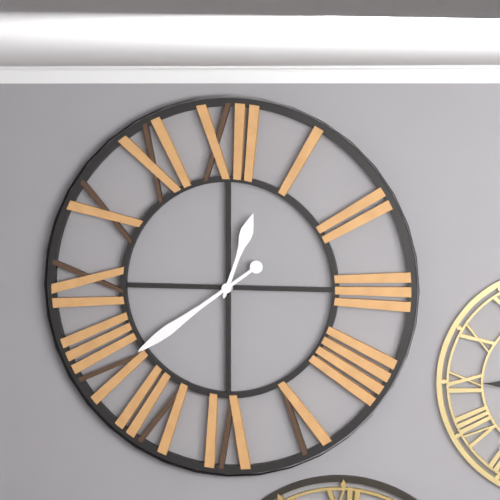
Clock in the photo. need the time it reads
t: 12:39
